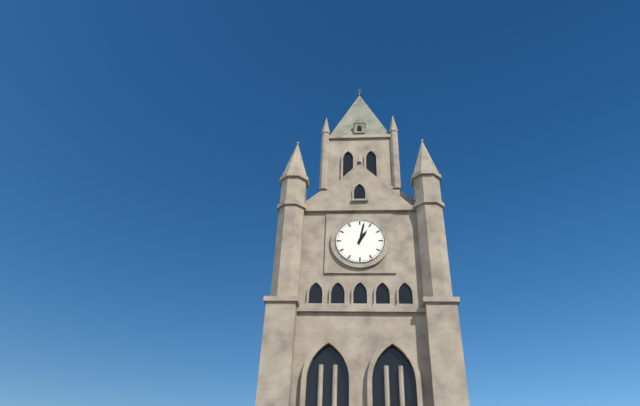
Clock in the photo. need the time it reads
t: 1:02
